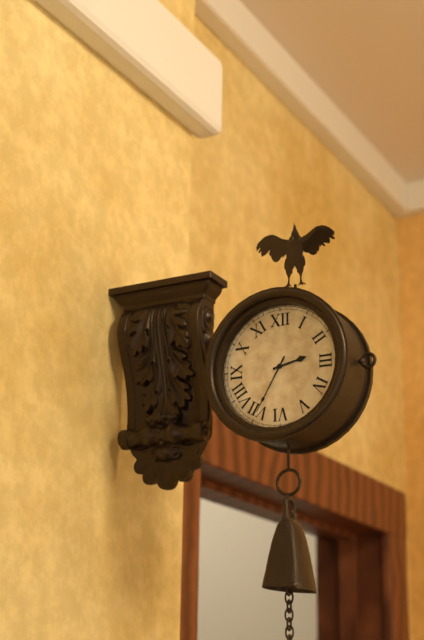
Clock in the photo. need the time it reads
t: 2:35
